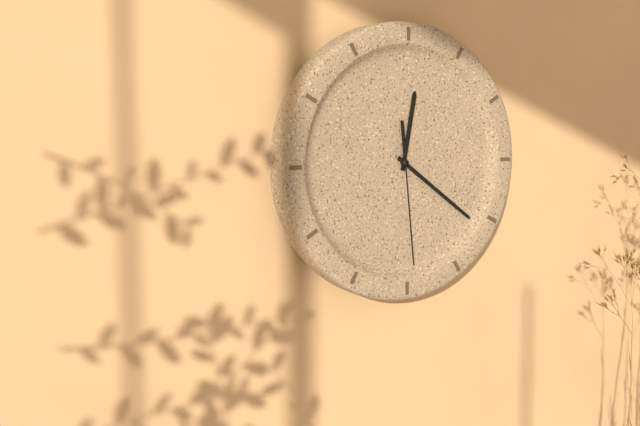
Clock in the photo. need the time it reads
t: 12:21:29
